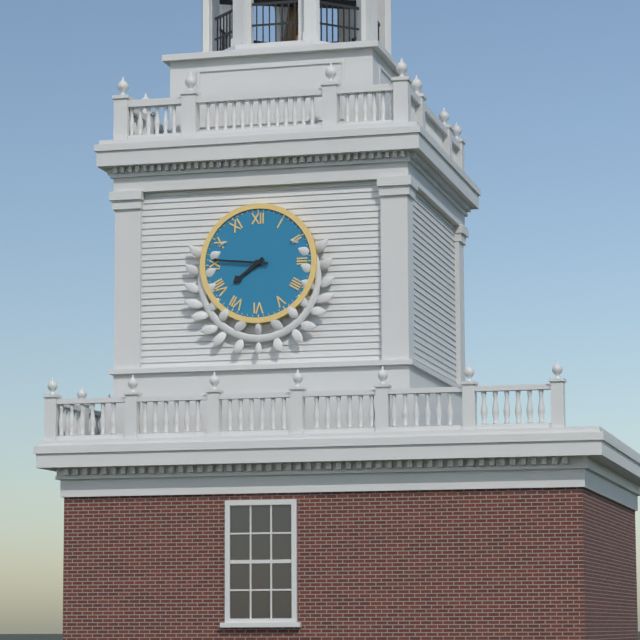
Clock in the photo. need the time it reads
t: 7:46
